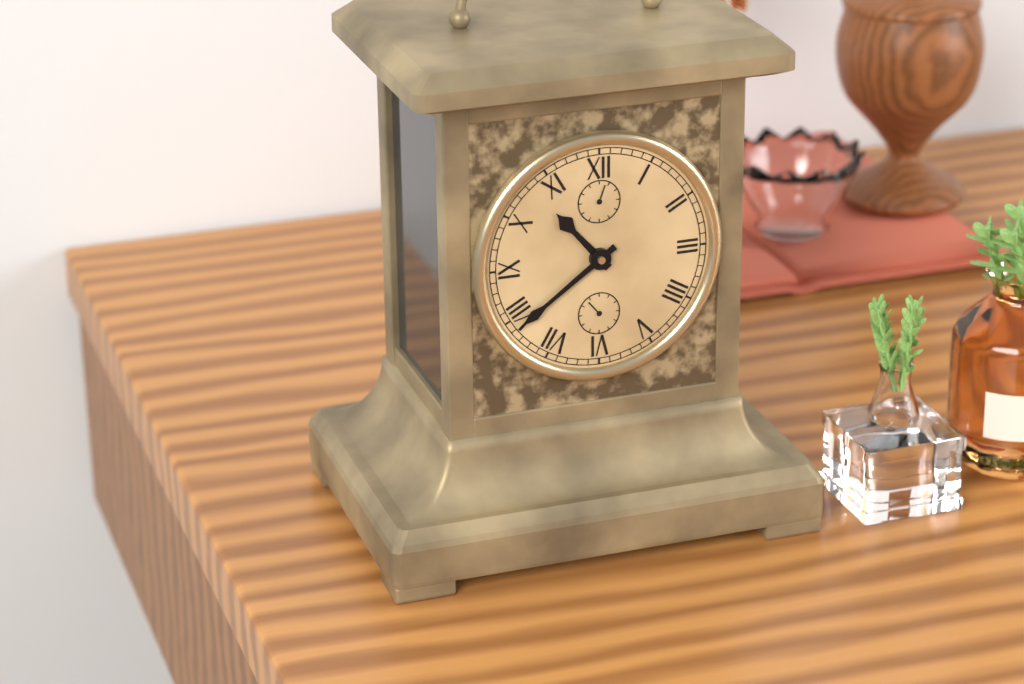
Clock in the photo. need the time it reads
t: 10:39
